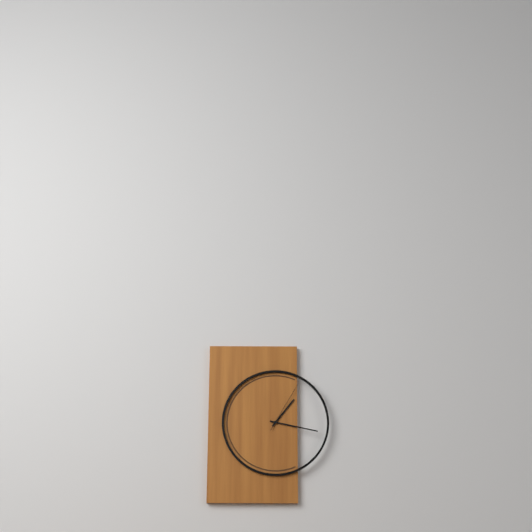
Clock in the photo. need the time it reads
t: 1:17:05
